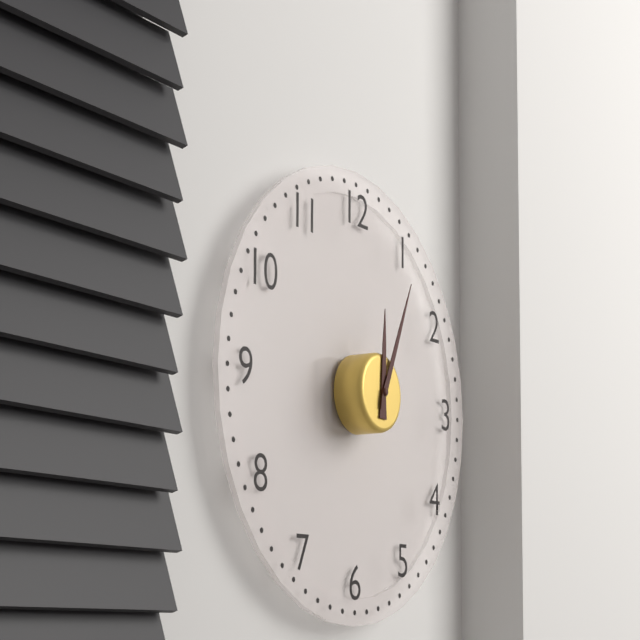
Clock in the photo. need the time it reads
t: 12:04
